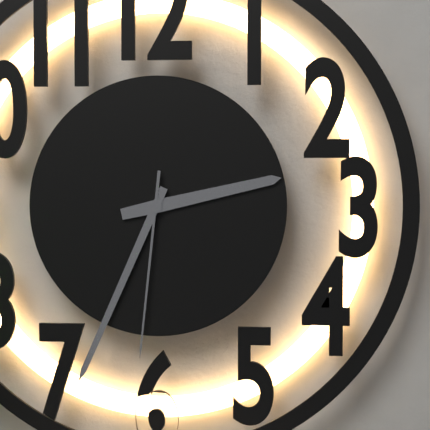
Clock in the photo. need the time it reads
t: 2:34:31
